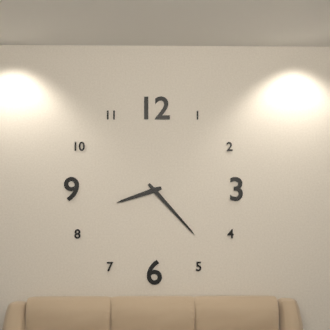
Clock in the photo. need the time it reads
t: 8:23
